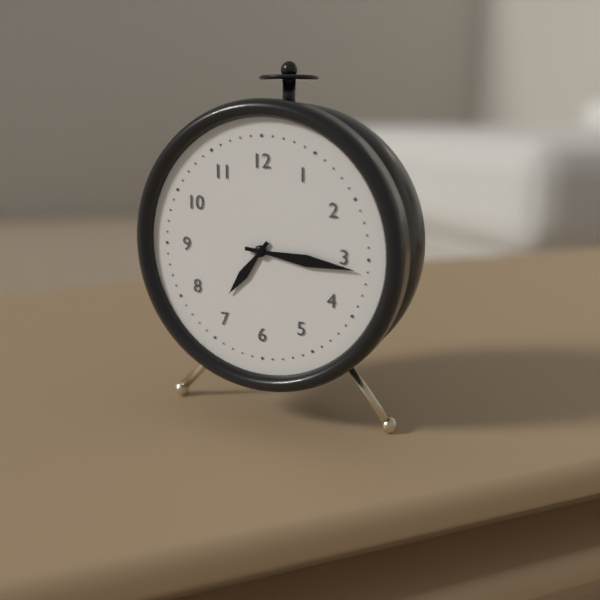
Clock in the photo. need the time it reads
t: 7:16
